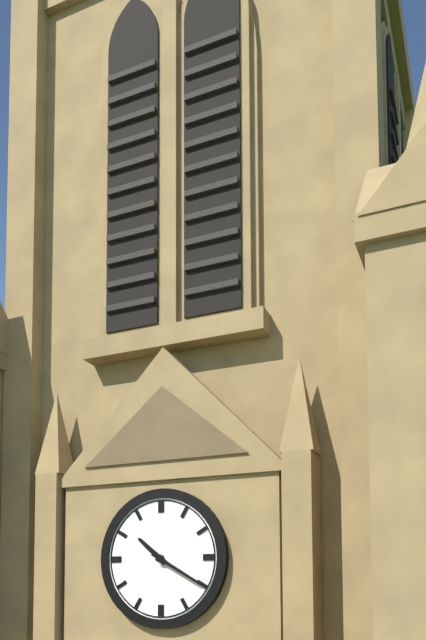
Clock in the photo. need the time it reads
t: 10:20
